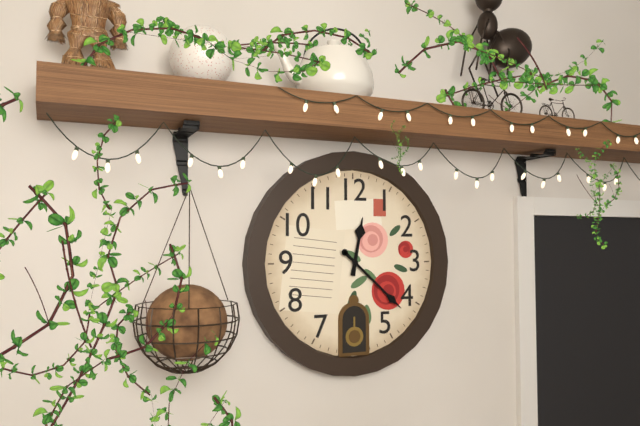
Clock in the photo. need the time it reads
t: 12:22
